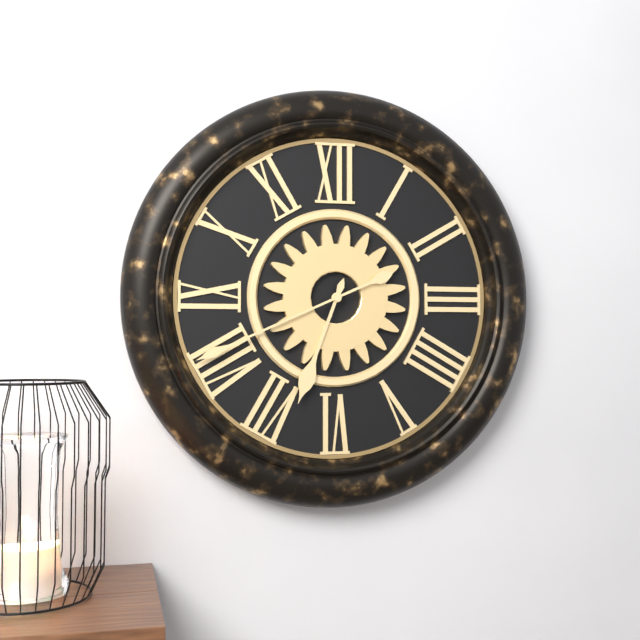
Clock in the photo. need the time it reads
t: 6:41
